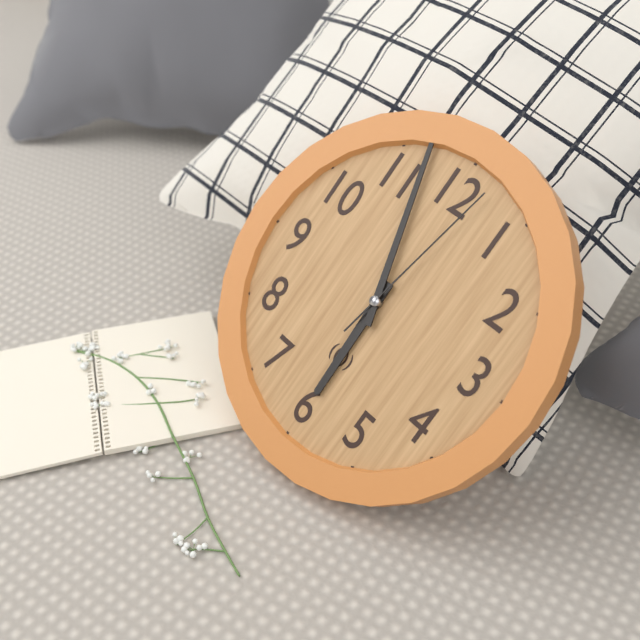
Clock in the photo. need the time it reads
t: 5:57:02
